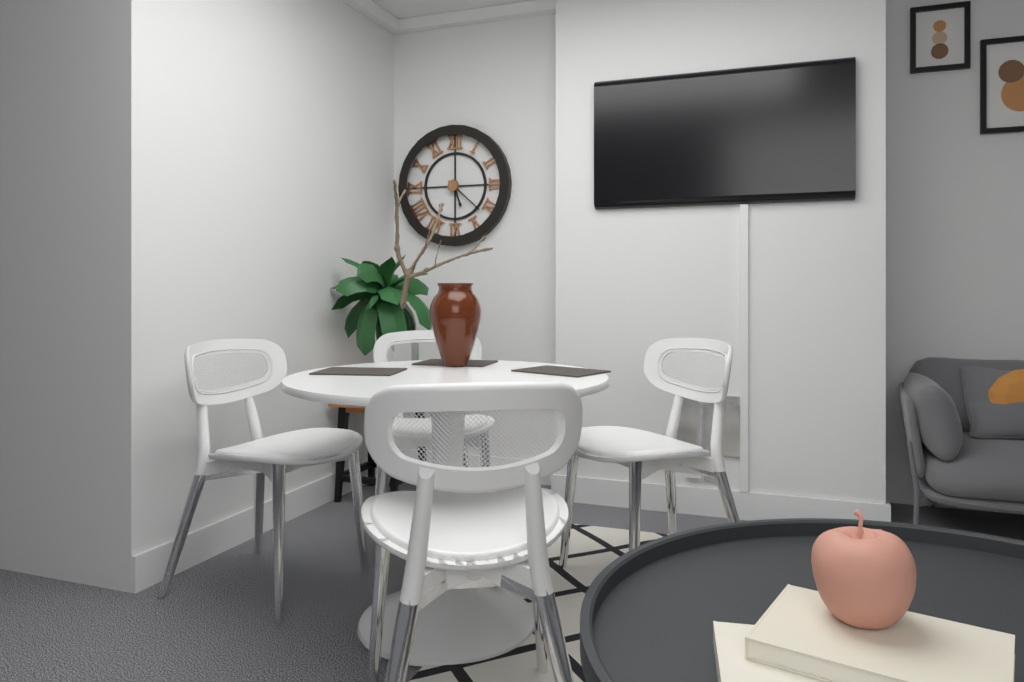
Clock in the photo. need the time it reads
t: 5:22
